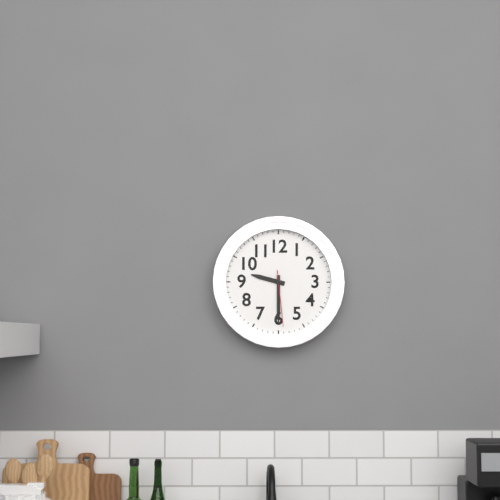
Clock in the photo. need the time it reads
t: 9:30:29
